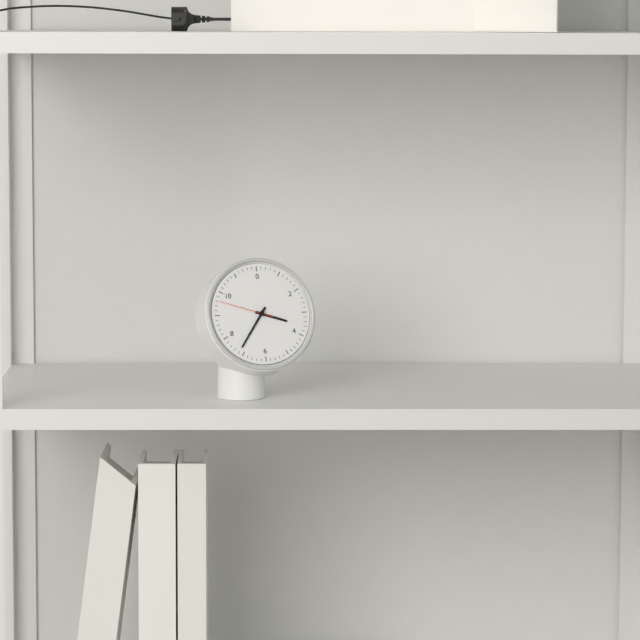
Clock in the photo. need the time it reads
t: 3:36:48
